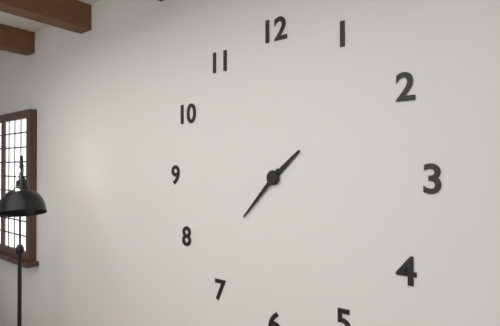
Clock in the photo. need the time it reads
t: 1:37
